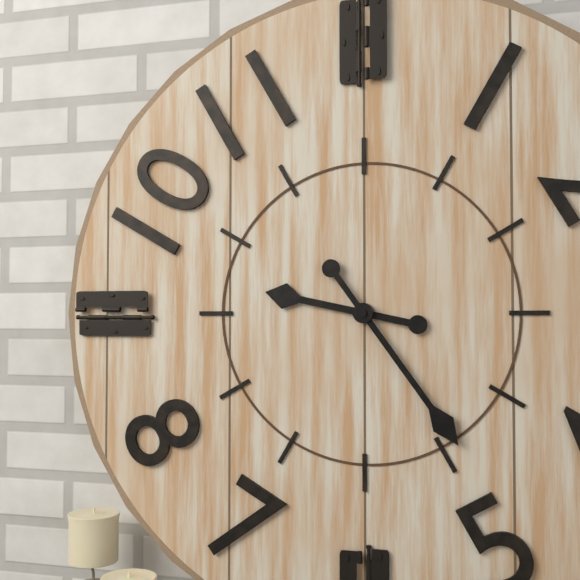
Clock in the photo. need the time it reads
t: 9:24
